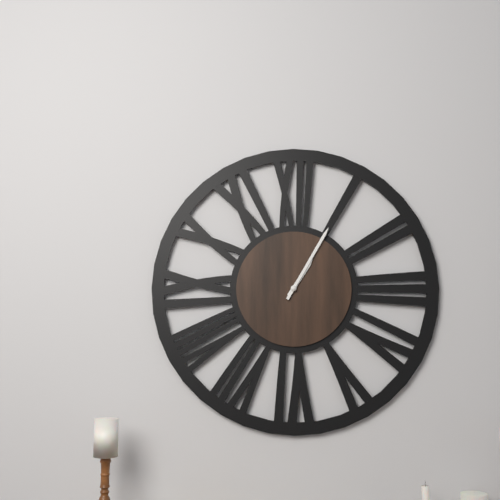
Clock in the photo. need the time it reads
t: 1:05
